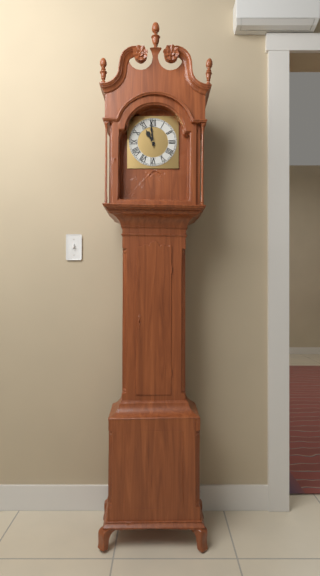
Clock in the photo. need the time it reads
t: 10:59
